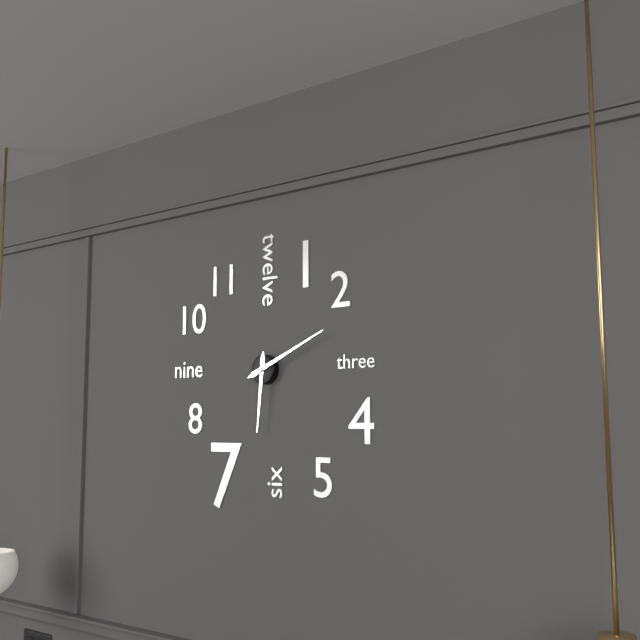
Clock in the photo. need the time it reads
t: 6:11
